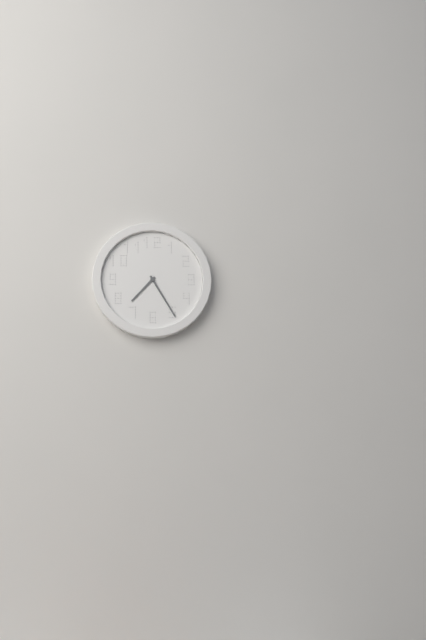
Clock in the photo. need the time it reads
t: 7:25
